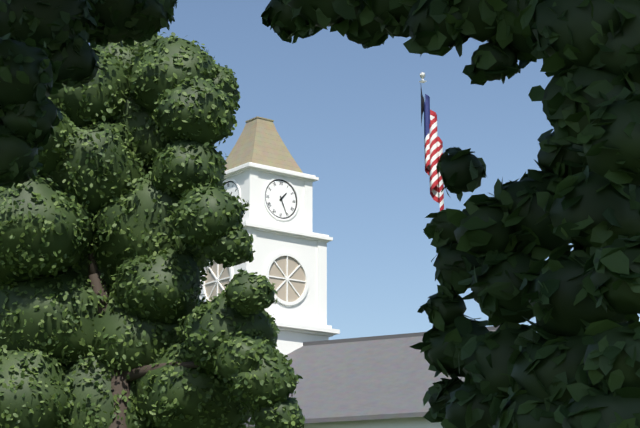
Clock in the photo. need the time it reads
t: 1:26
